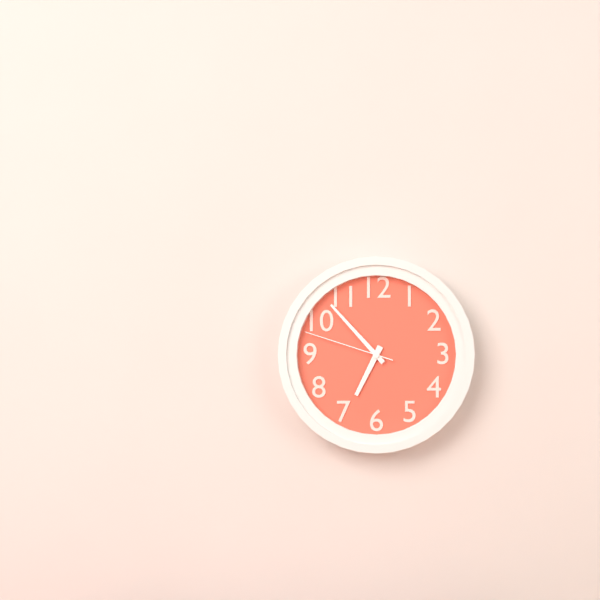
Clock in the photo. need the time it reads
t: 6:53:48
